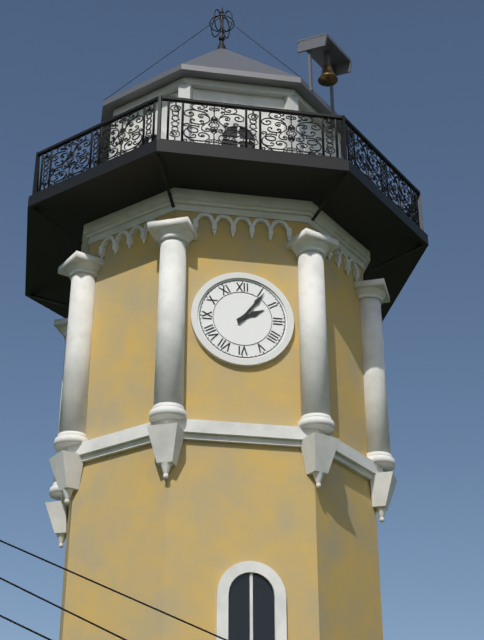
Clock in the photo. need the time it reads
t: 2:06
